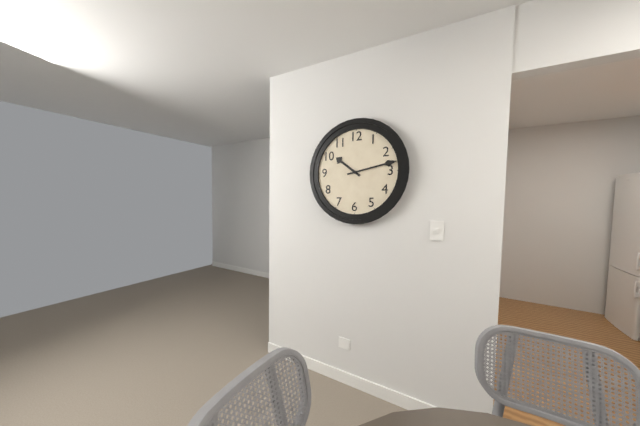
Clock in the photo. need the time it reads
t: 10:13
